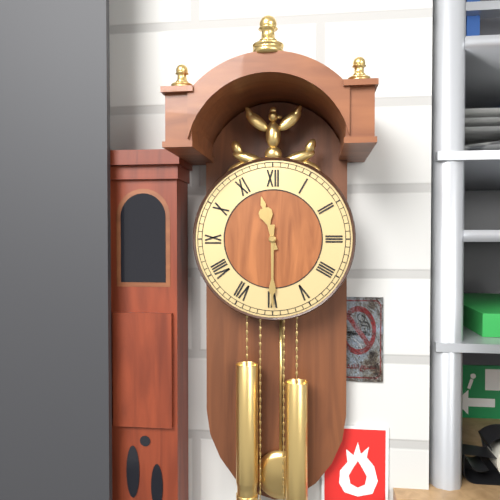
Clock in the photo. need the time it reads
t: 11:30
